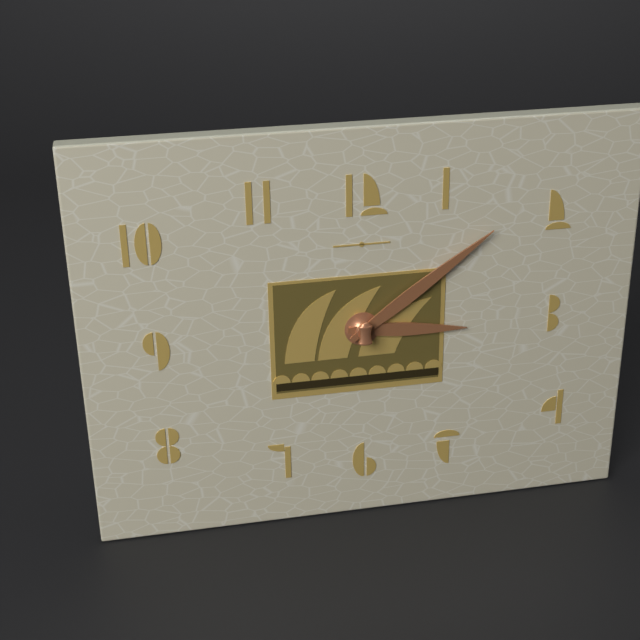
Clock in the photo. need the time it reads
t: 3:09
